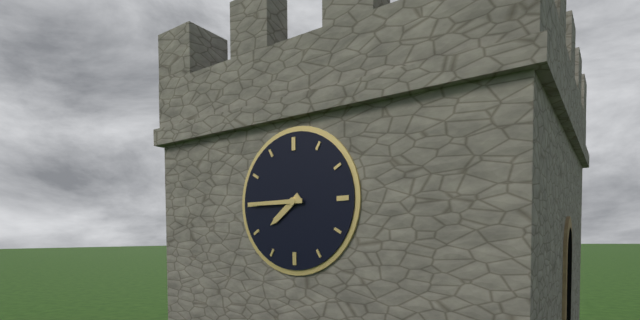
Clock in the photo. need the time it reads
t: 7:45
